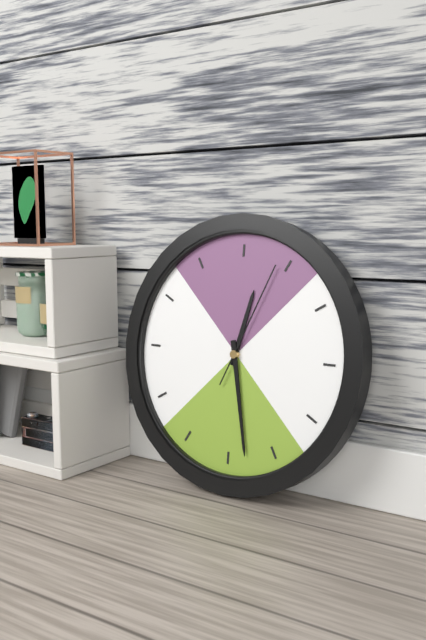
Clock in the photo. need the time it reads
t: 12:28:04
